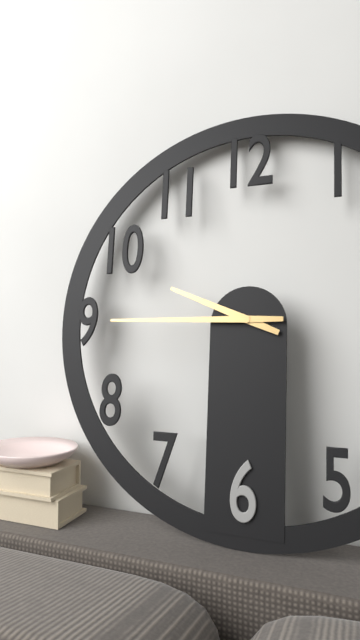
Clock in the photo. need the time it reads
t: 9:45
